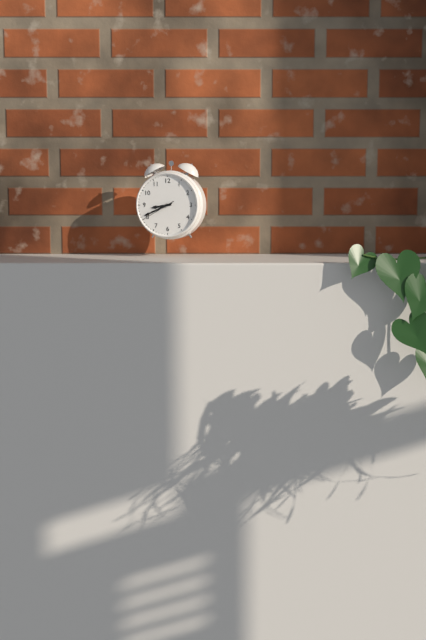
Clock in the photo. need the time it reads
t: 8:41
